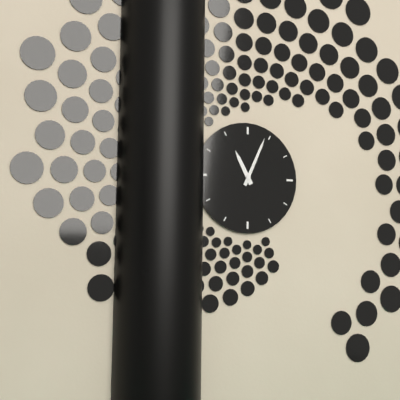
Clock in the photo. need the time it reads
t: 11:04
